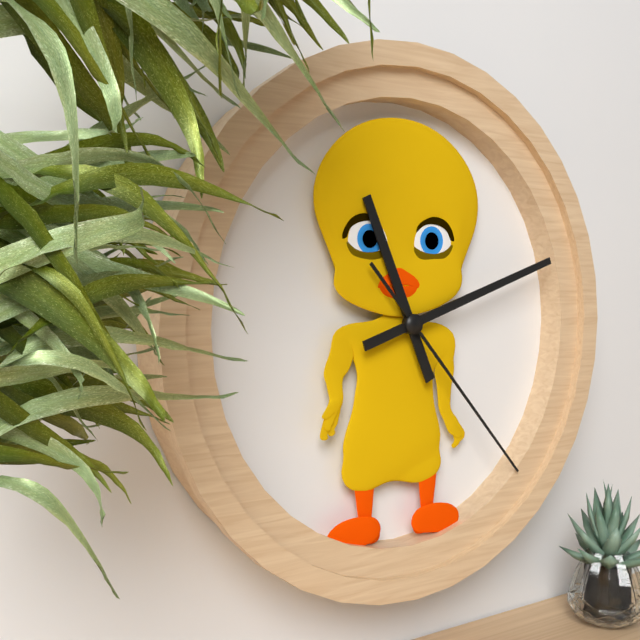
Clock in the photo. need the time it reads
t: 11:12:23
